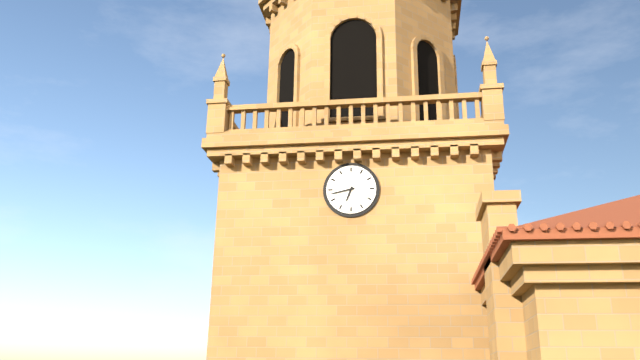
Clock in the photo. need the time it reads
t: 6:43
